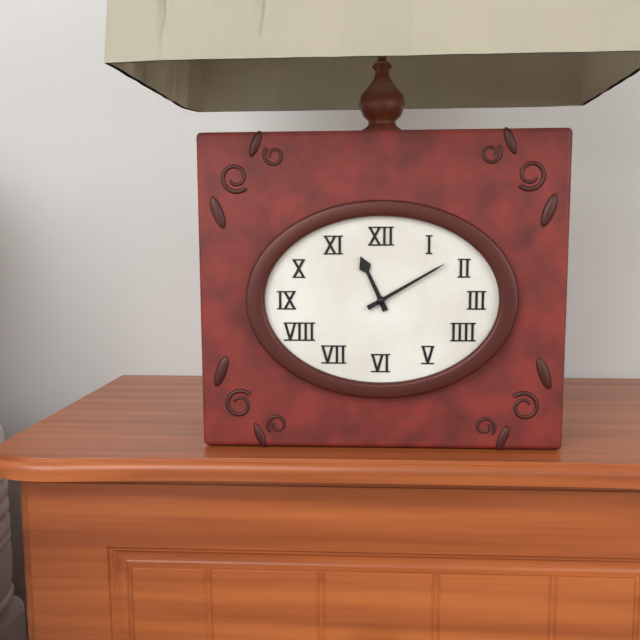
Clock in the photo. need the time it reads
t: 11:10
